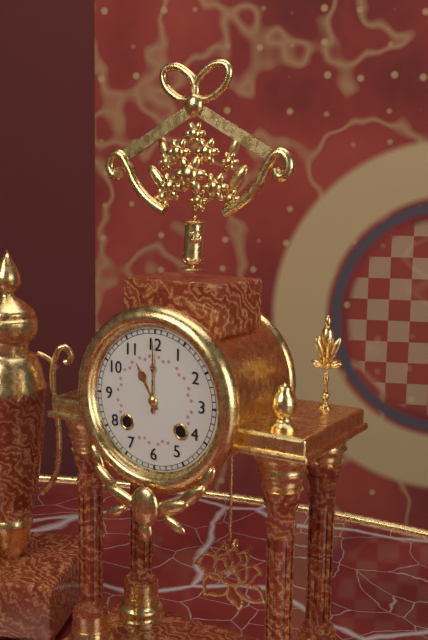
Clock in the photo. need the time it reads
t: 11:00
